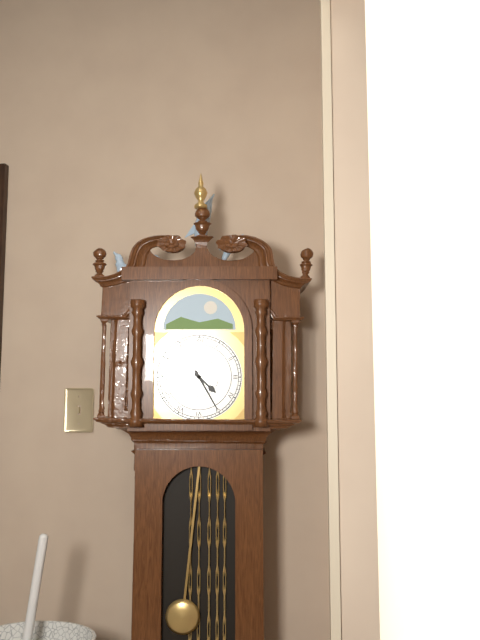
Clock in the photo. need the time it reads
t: 4:25
